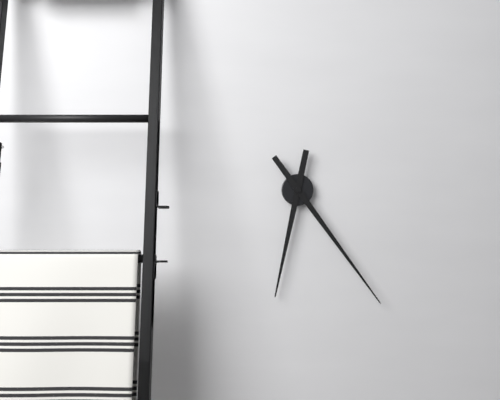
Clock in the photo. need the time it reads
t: 6:24
